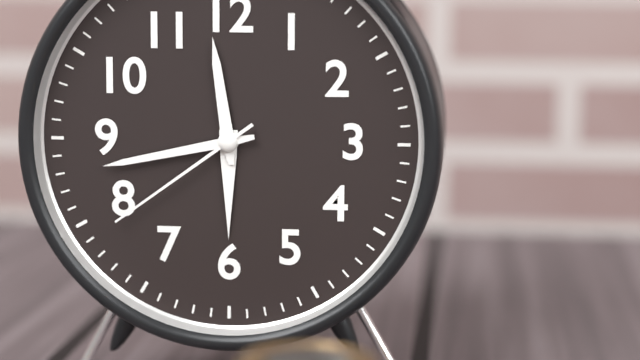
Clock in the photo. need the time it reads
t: 11:43:39
